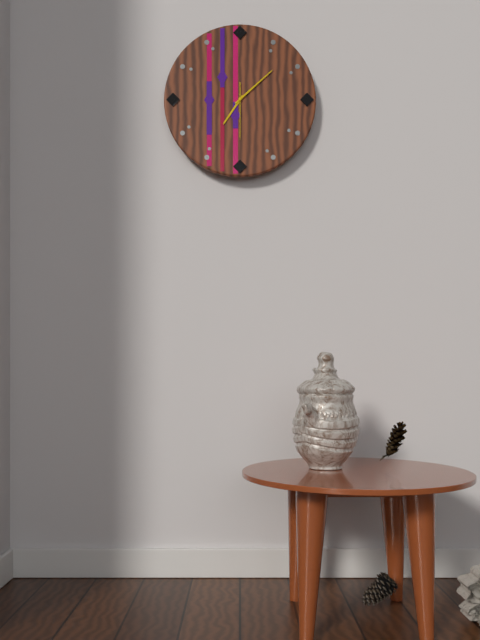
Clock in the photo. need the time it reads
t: 7:08
